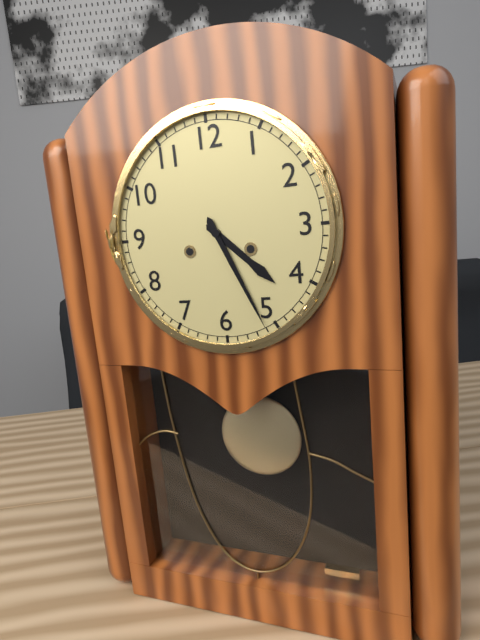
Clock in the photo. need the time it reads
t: 4:26
